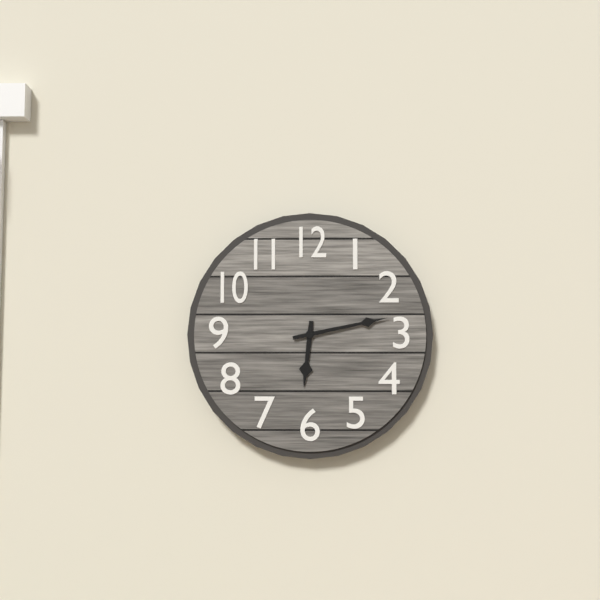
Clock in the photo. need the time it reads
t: 6:13
